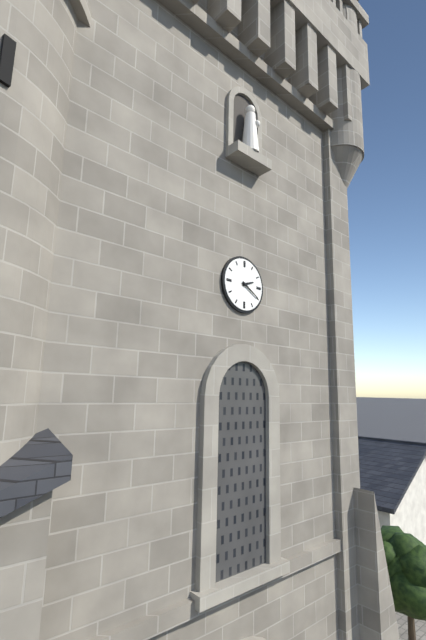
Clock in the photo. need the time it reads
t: 2:20
